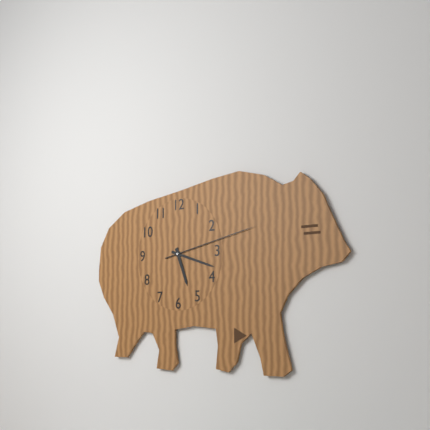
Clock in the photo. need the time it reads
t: 5:18:13
